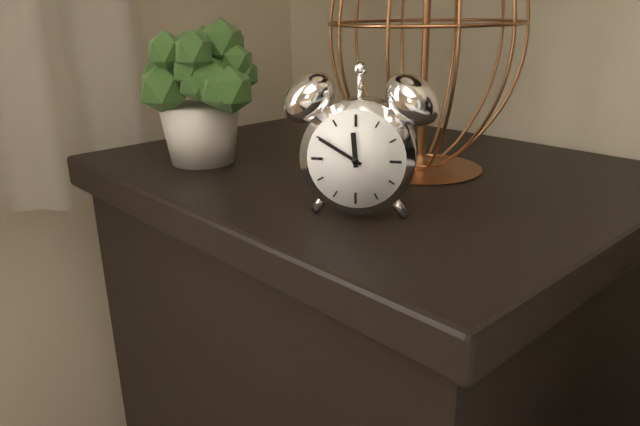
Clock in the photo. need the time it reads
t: 11:50
